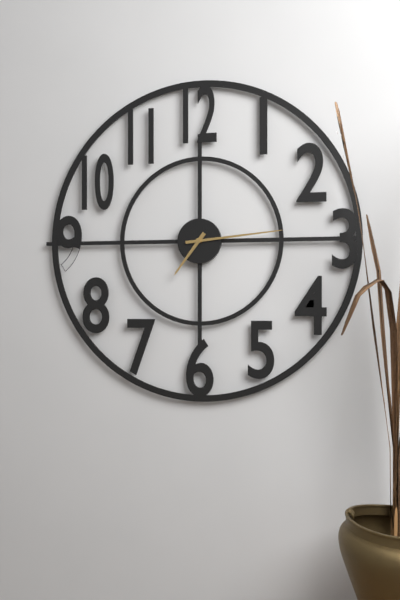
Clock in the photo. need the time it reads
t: 7:14
